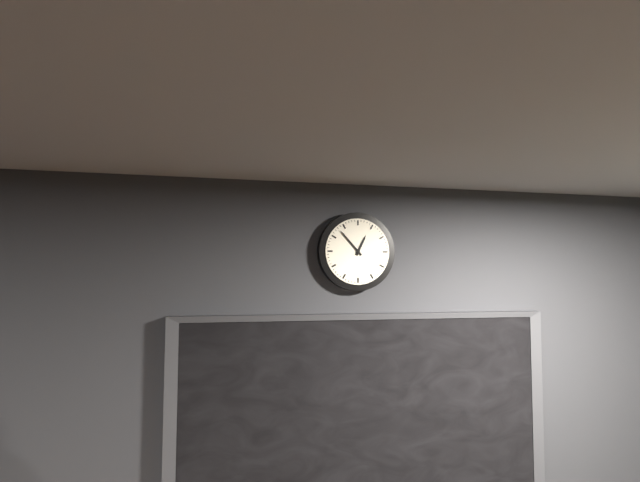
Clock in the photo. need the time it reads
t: 12:53
